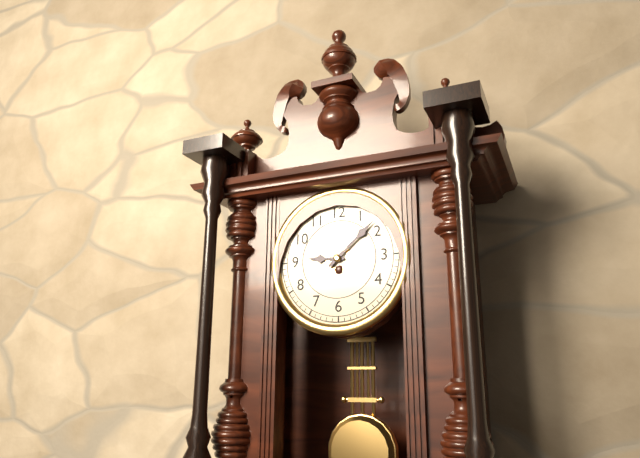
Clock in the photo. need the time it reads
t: 9:08
